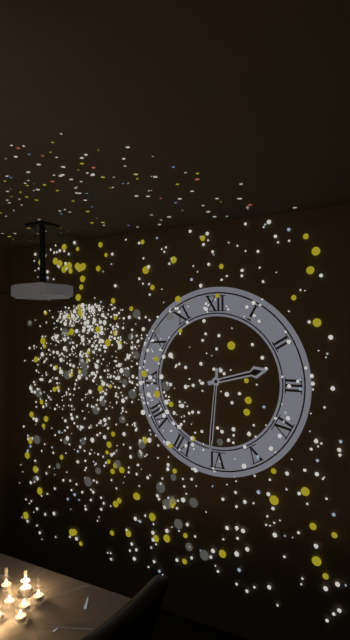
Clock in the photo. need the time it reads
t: 2:31
